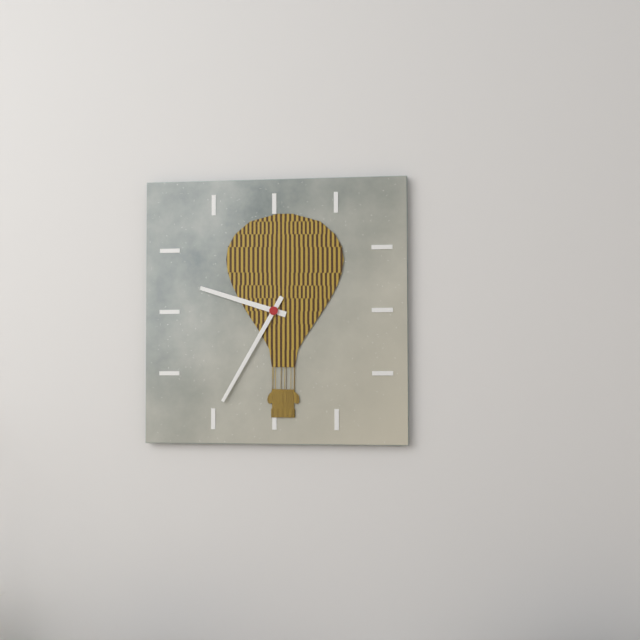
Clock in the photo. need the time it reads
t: 9:35
